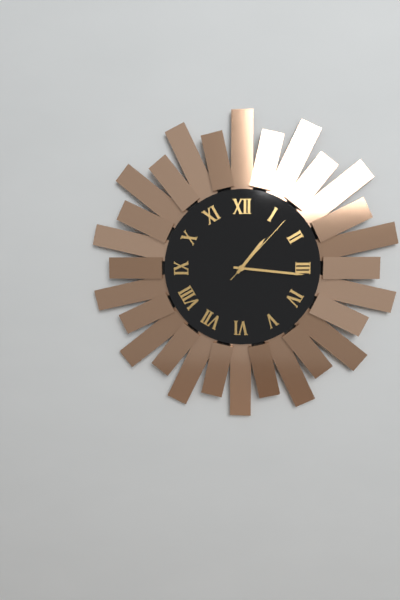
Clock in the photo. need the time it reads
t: 1:16:07
